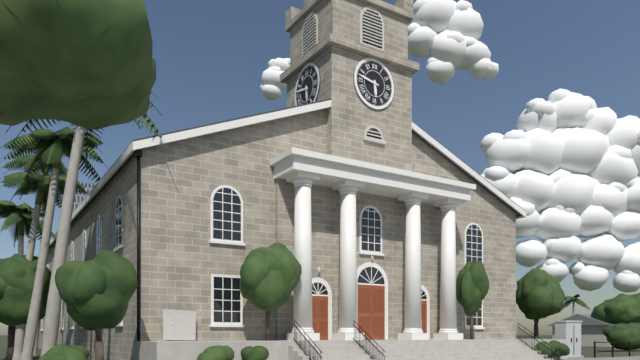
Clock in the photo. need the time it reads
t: 5:47
